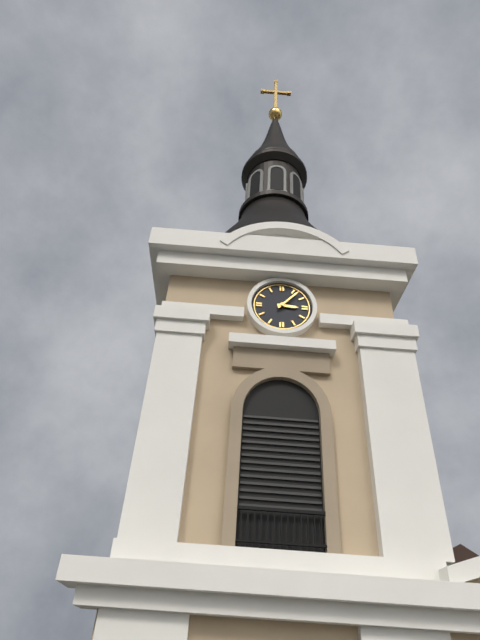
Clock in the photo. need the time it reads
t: 3:07
